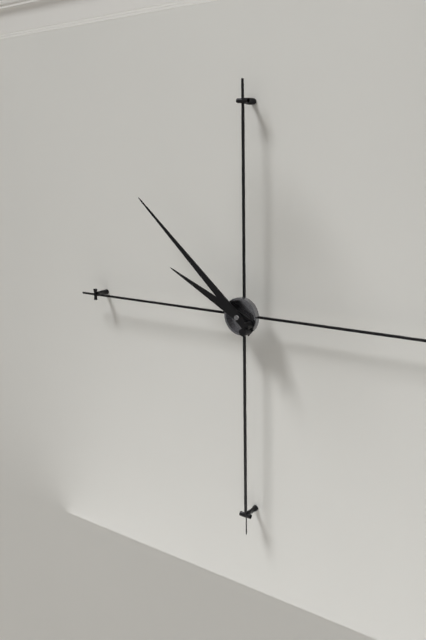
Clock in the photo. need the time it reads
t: 9:52
